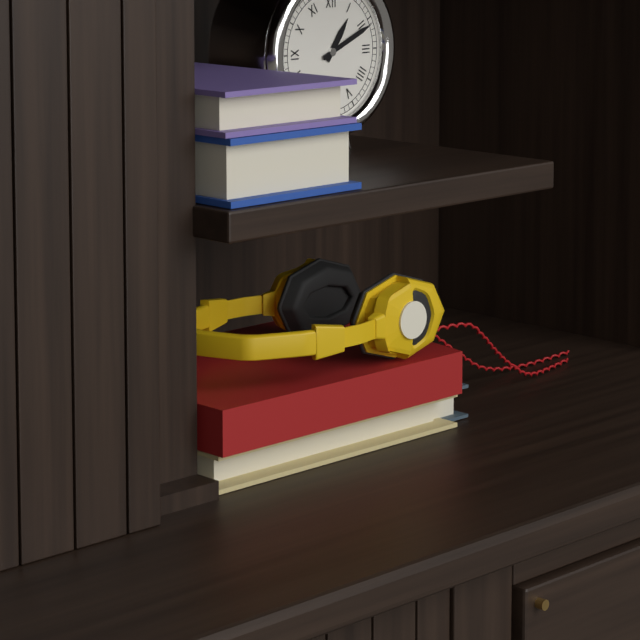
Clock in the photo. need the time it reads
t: 1:11
